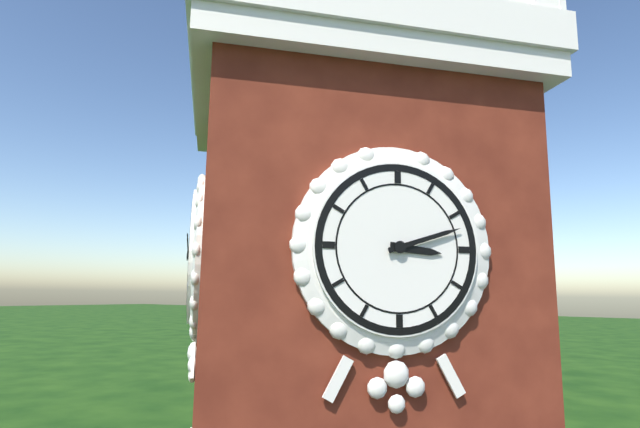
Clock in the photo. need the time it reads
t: 3:12
